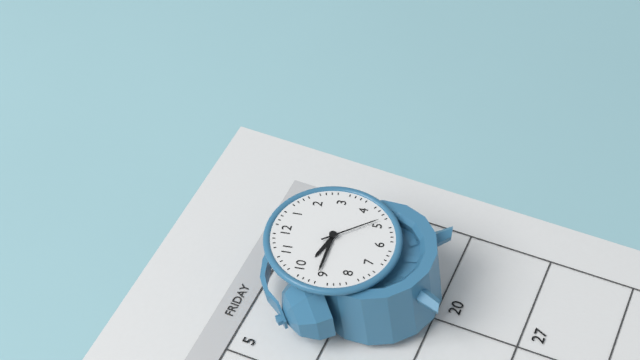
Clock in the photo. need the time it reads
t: 9:46:24
